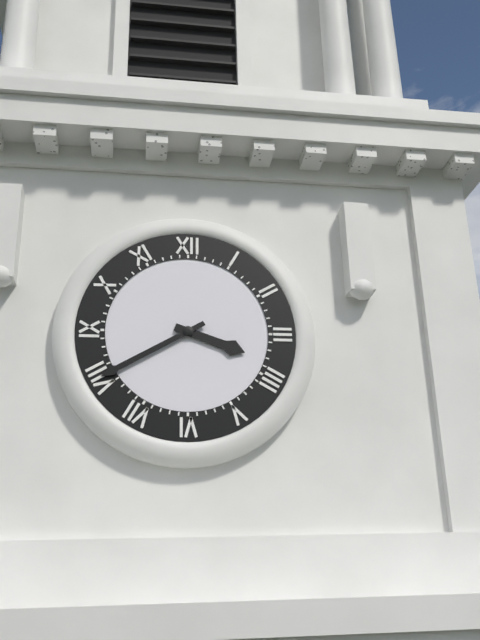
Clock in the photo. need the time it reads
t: 3:40
